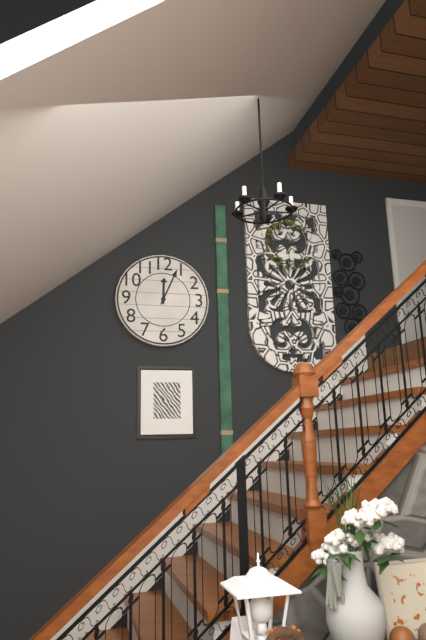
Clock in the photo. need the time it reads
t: 12:04
